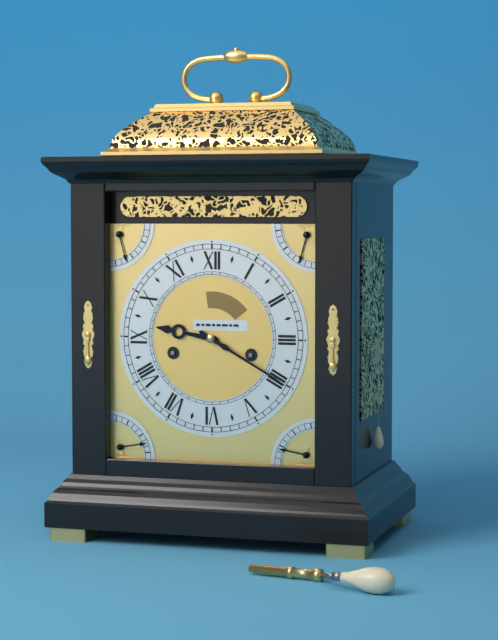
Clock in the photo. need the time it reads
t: 9:20
